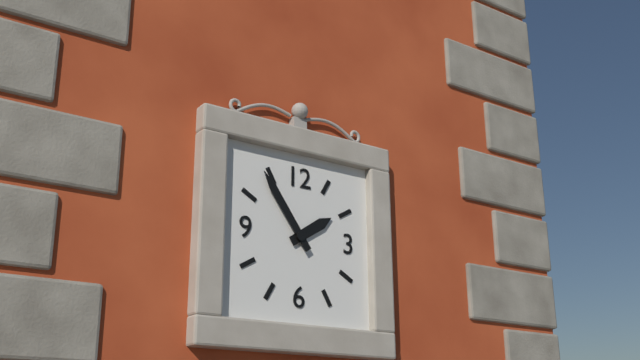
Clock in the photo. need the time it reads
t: 1:54
